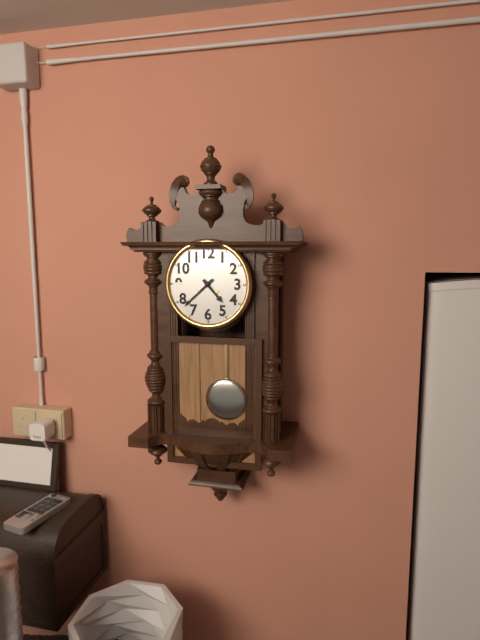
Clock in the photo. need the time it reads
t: 4:38
